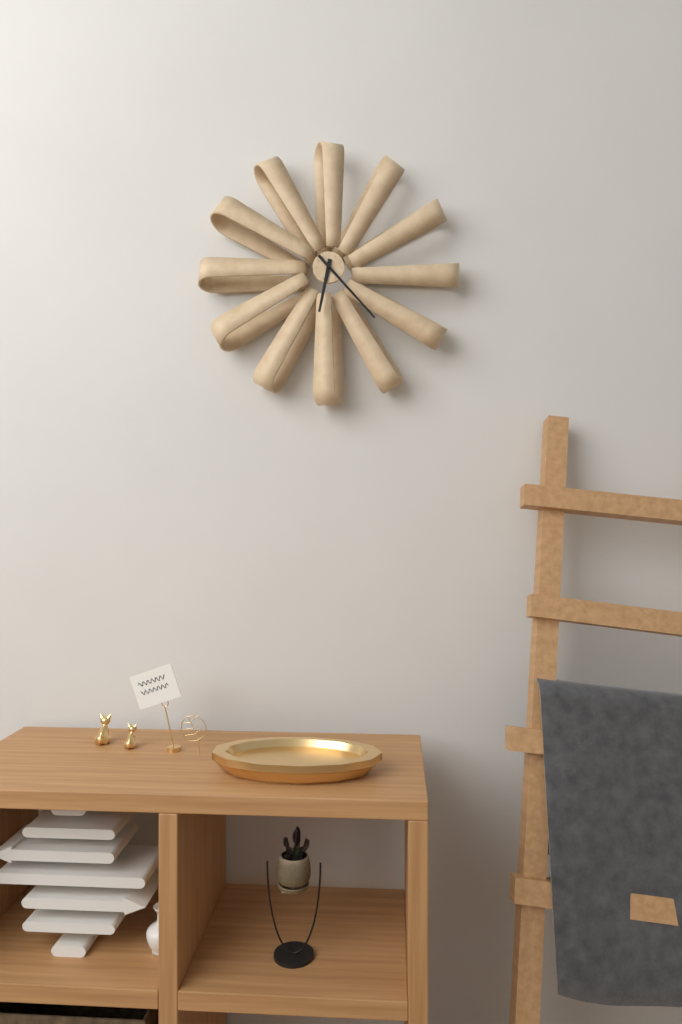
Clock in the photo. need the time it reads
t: 6:23
